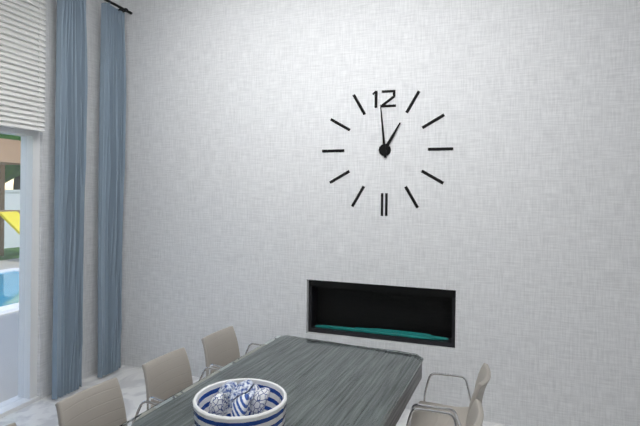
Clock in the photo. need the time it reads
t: 12:59
